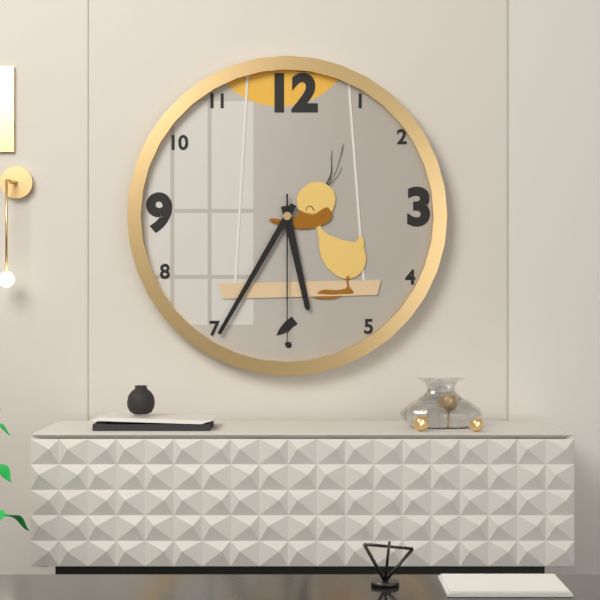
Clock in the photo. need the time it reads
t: 5:35:30
